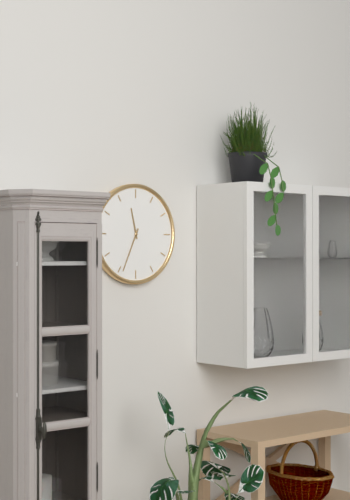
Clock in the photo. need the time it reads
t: 11:34
